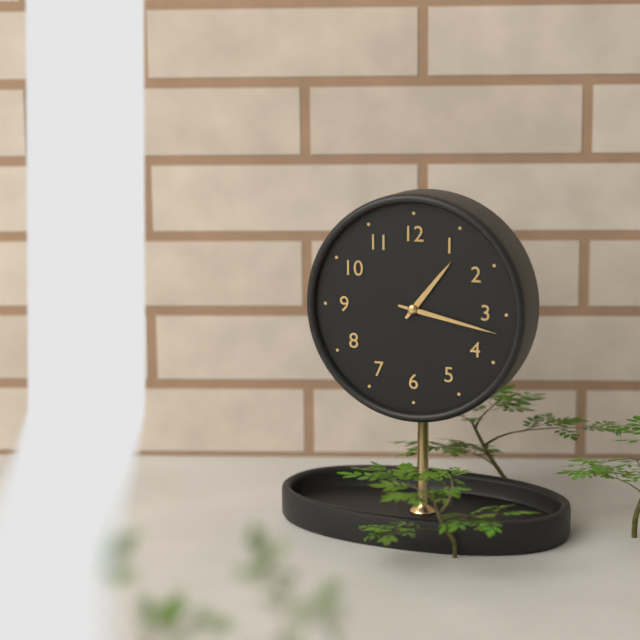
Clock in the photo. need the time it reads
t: 1:17
